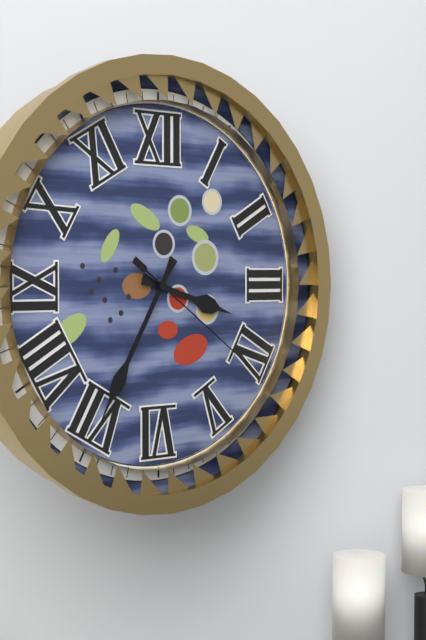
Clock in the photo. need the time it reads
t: 3:35:21
